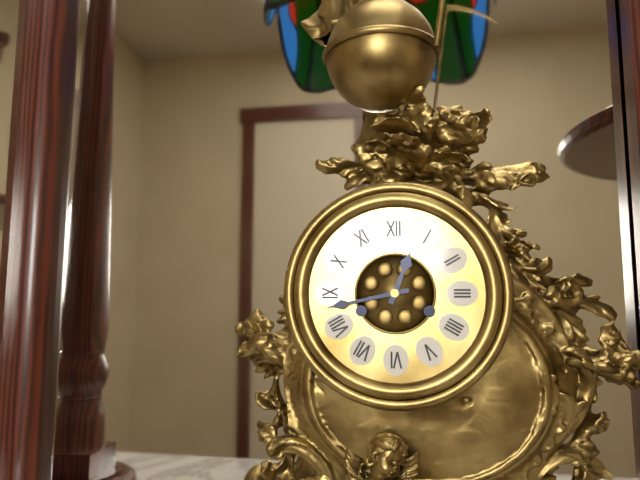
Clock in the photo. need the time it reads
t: 12:43
